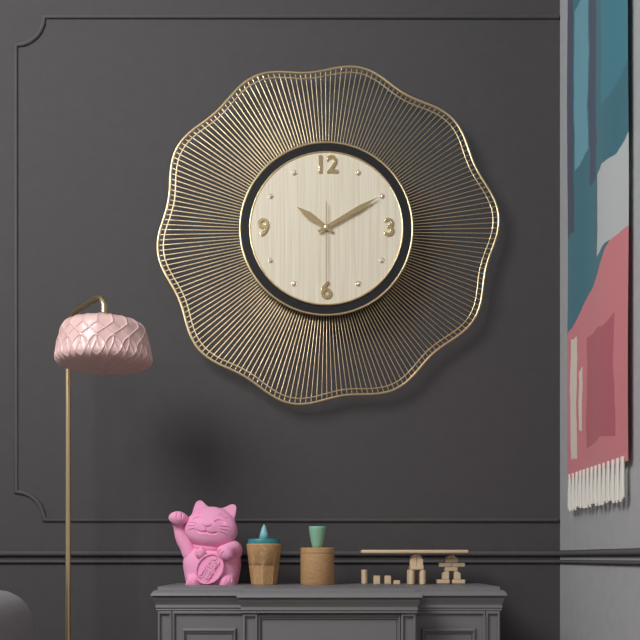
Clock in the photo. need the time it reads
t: 10:10:30
